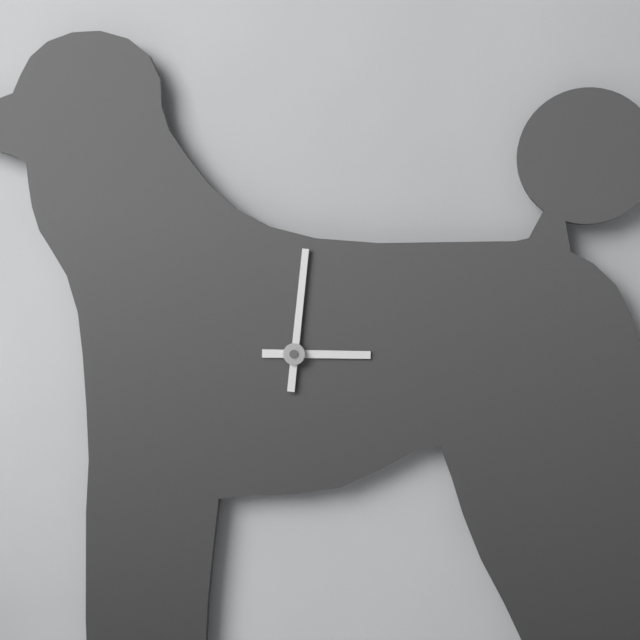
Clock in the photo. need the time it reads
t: 3:01
